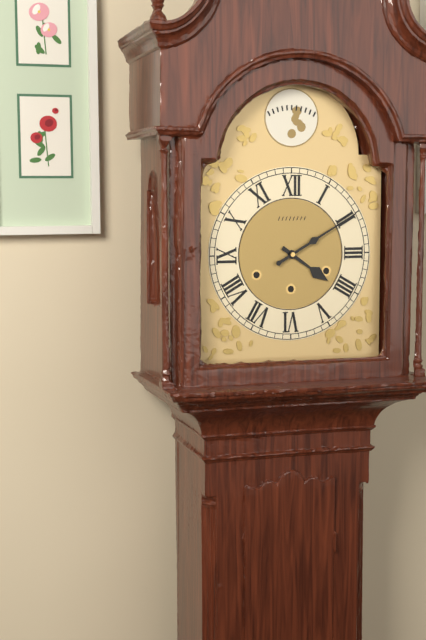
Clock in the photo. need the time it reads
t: 4:10
